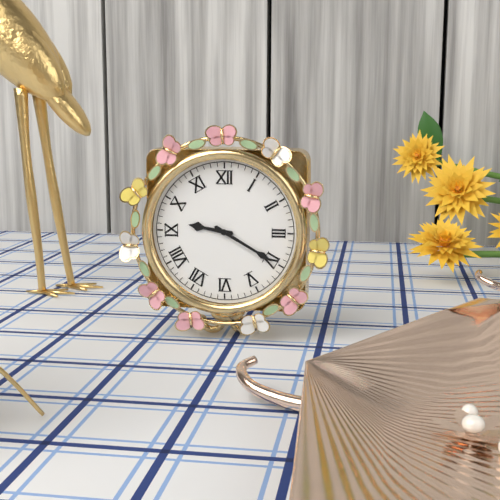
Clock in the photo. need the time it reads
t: 9:20
